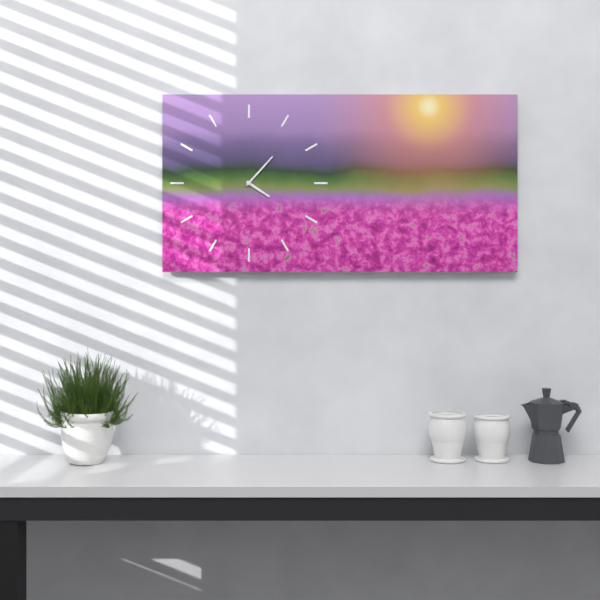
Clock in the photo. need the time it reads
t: 4:07
